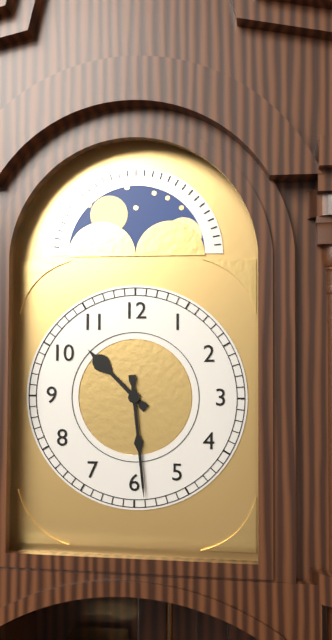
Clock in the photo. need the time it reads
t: 10:29
